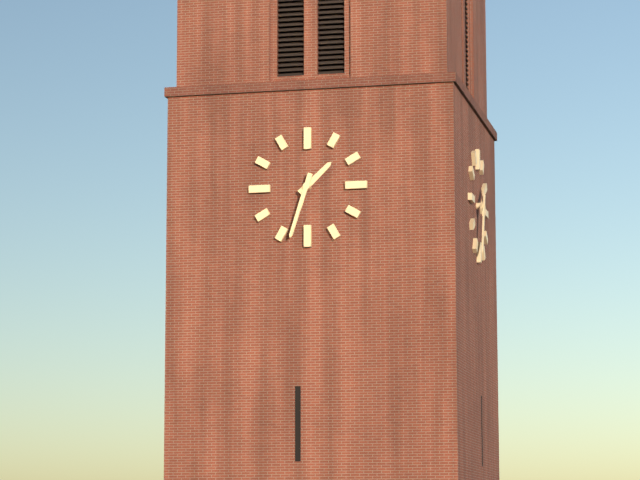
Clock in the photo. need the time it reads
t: 1:33
